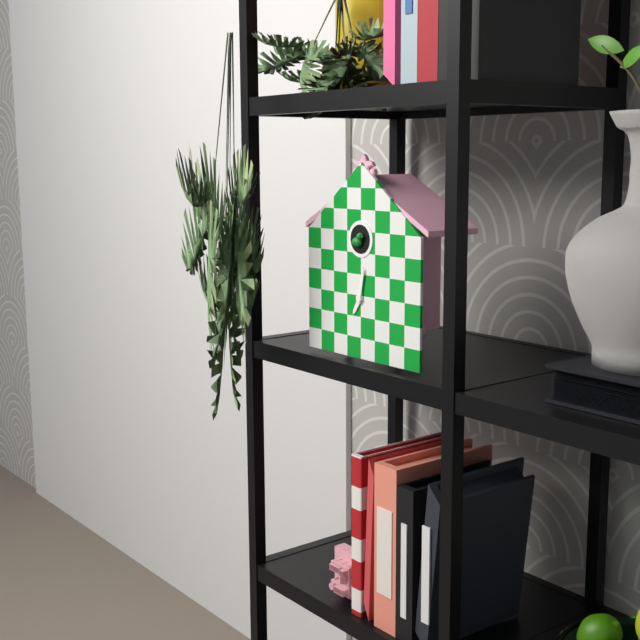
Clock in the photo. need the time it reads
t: 7:02
